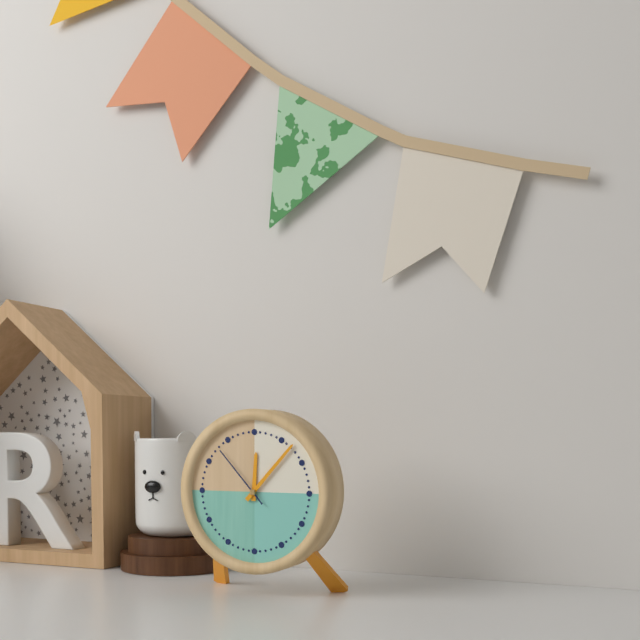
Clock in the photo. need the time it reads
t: 12:07:53
